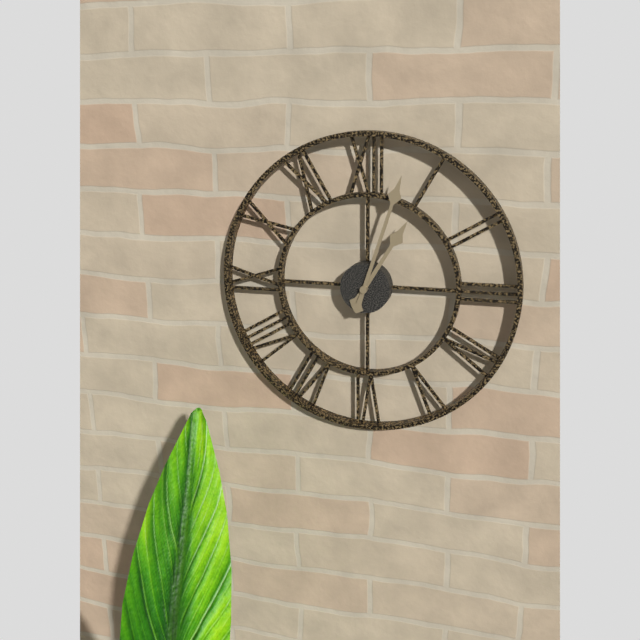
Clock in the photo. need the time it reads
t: 1:03
